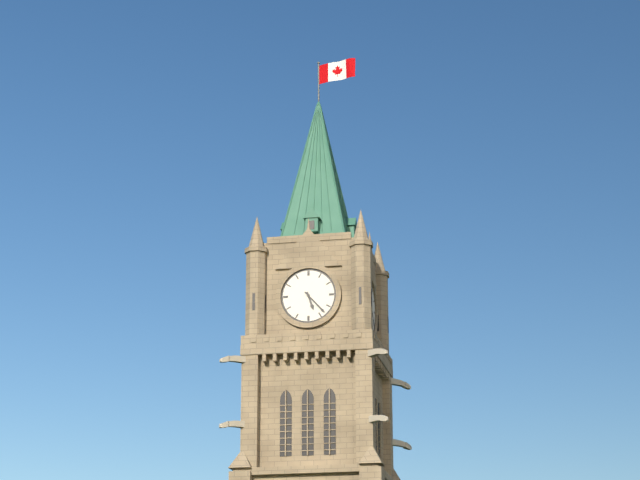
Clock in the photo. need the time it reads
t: 5:23
